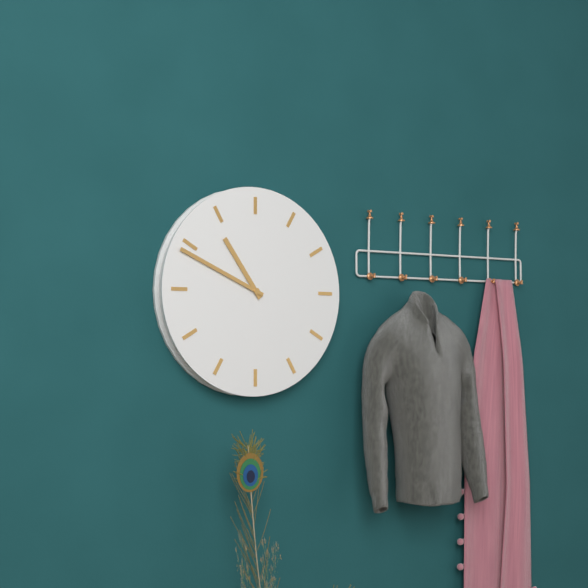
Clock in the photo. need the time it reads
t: 10:49
